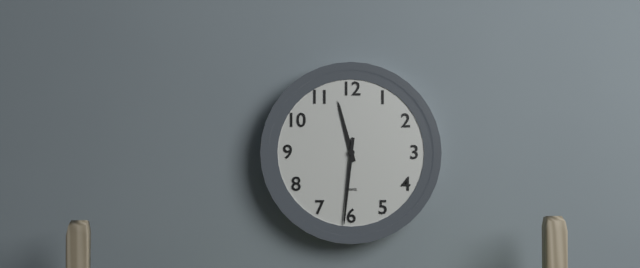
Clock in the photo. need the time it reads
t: 11:31
